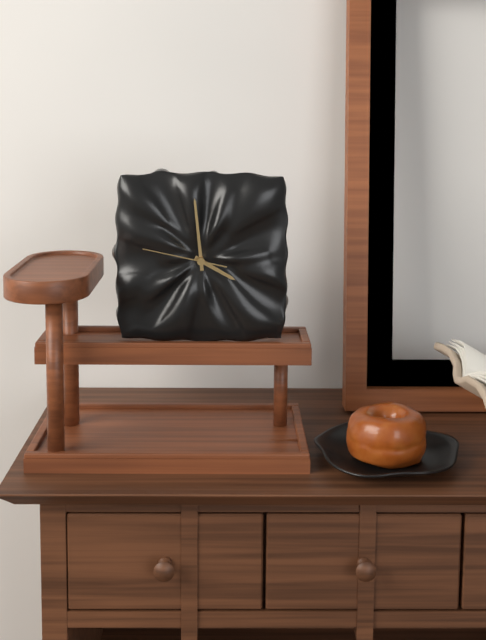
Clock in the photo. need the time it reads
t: 3:59:47
